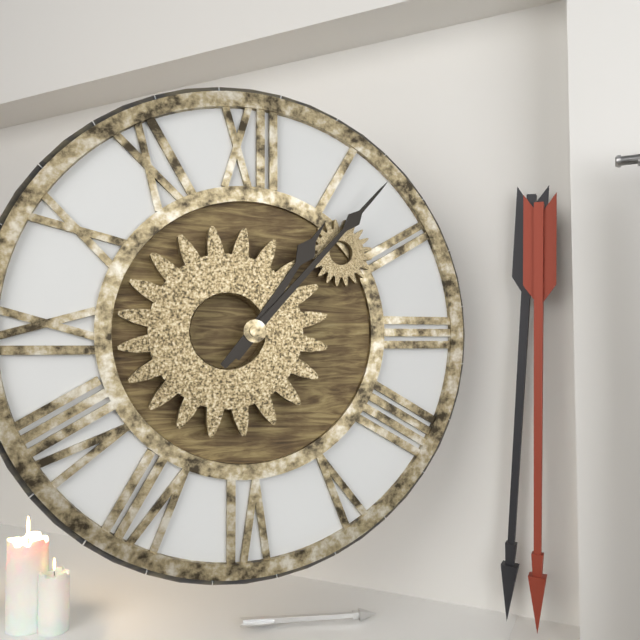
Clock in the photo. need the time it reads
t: 1:07
